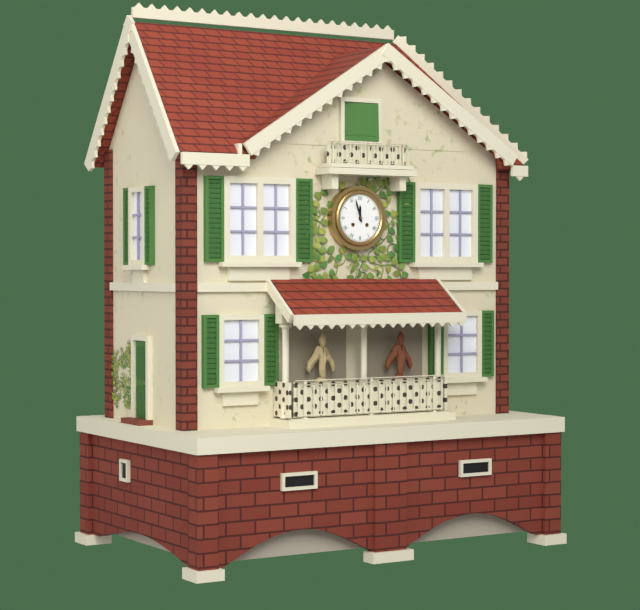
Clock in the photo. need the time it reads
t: 11:57
